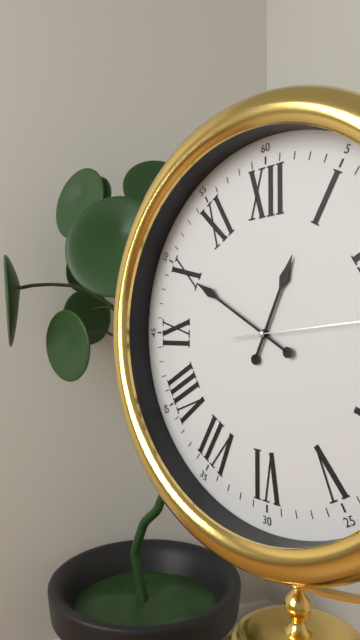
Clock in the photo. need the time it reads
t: 12:50
